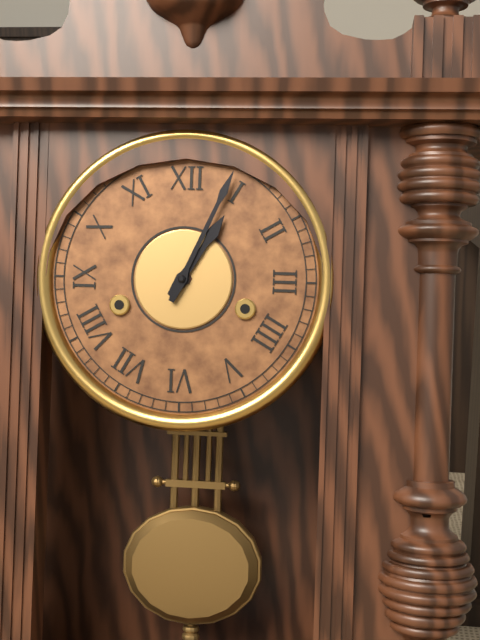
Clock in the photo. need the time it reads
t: 1:04
